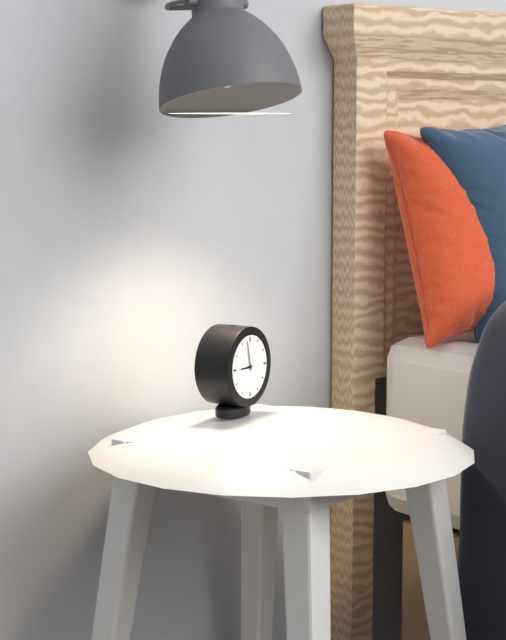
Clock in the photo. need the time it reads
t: 8:58
